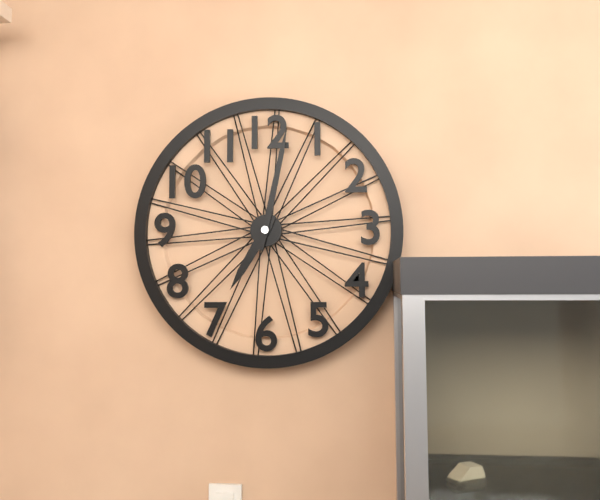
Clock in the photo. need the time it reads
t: 7:02
